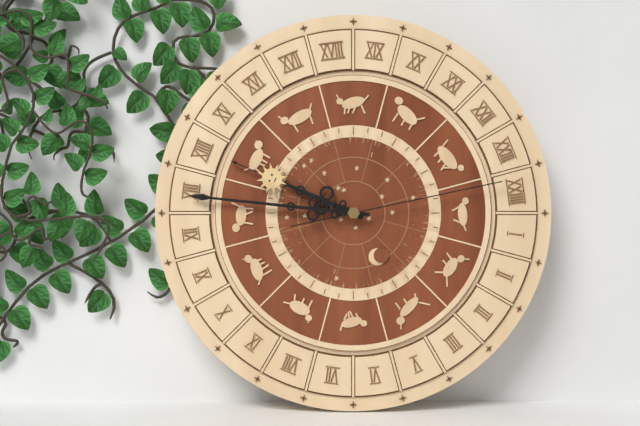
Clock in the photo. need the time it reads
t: 9:46:13
